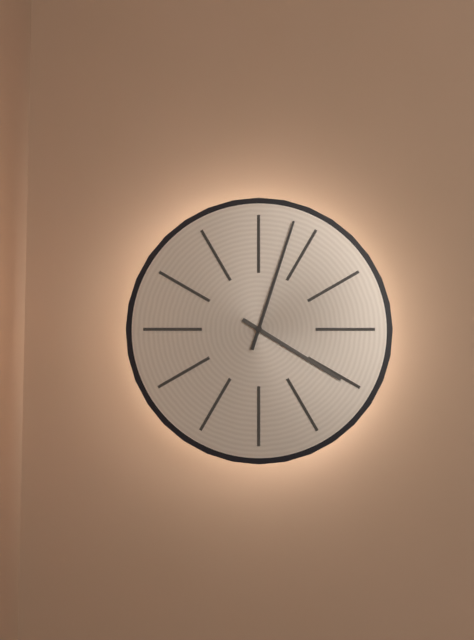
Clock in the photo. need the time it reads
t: 4:03
